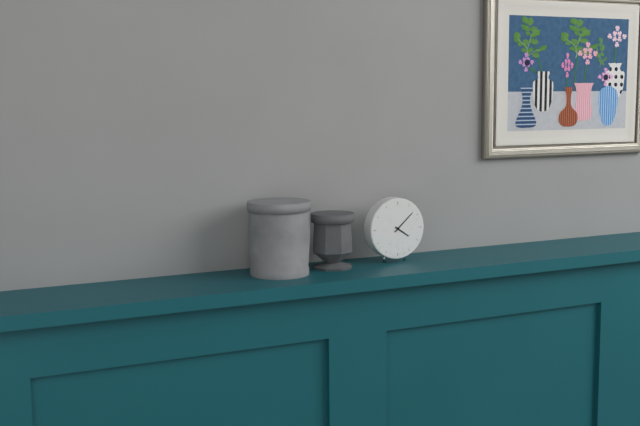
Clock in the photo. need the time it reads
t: 4:08
